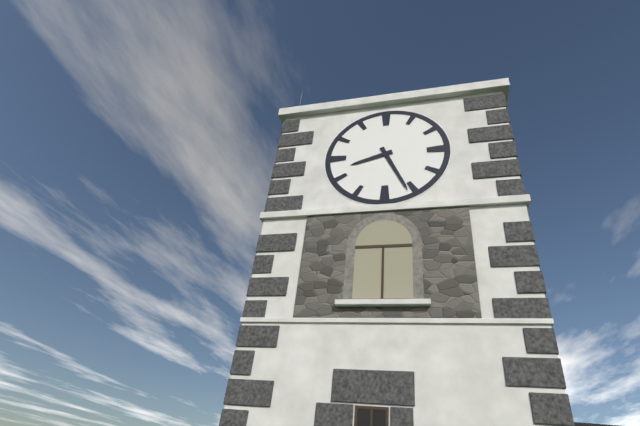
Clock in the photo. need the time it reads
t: 8:26
